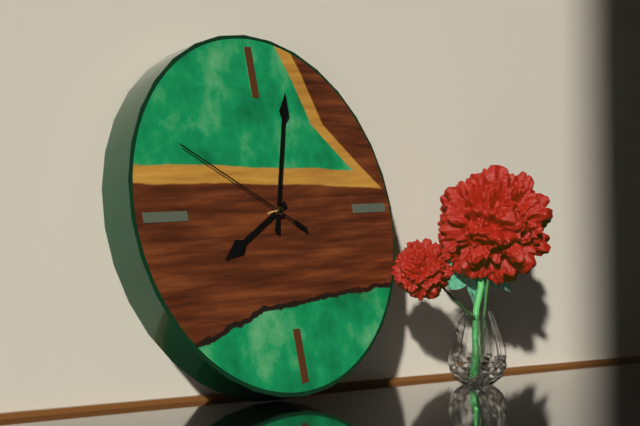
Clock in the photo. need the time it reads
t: 8:03:50
